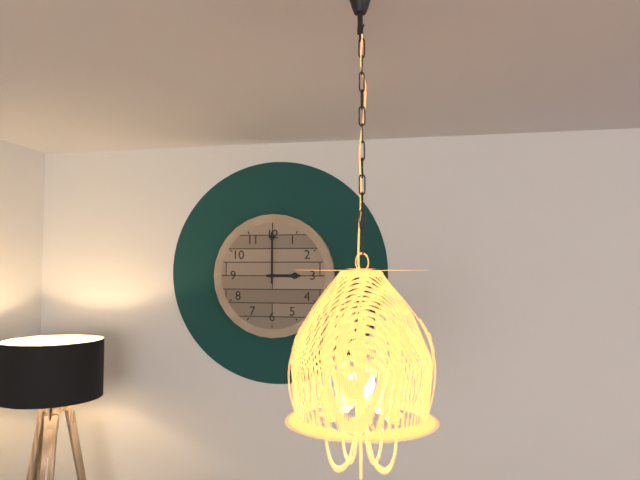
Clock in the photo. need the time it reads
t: 3:00
